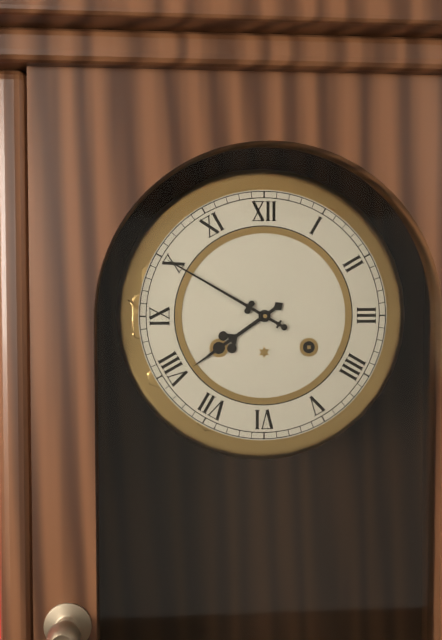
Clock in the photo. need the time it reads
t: 7:50
